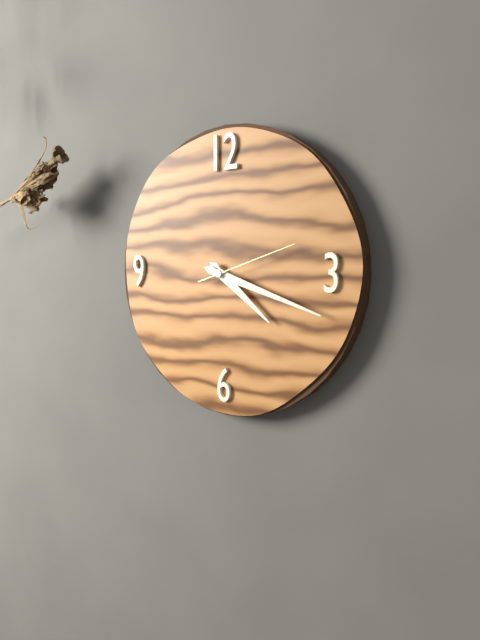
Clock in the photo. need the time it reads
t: 4:18:12
